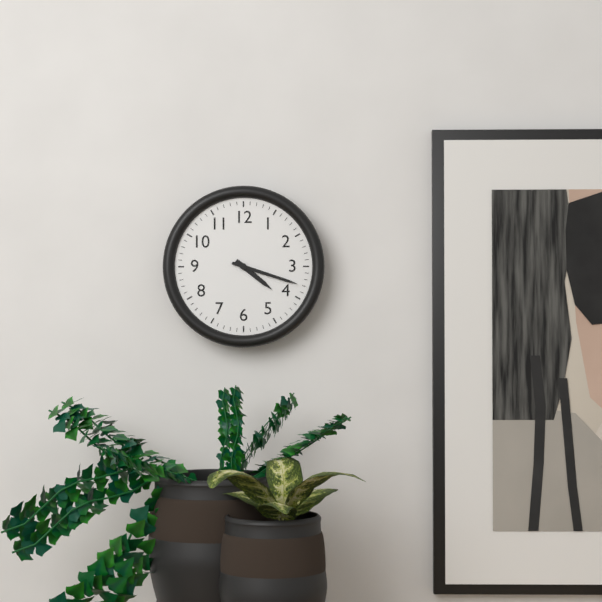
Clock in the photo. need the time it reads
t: 4:18
